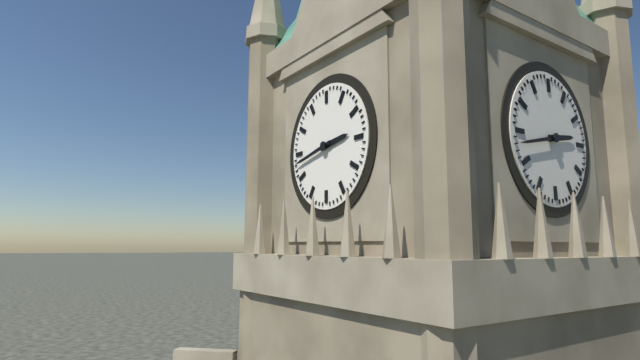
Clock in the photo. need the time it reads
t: 2:43
